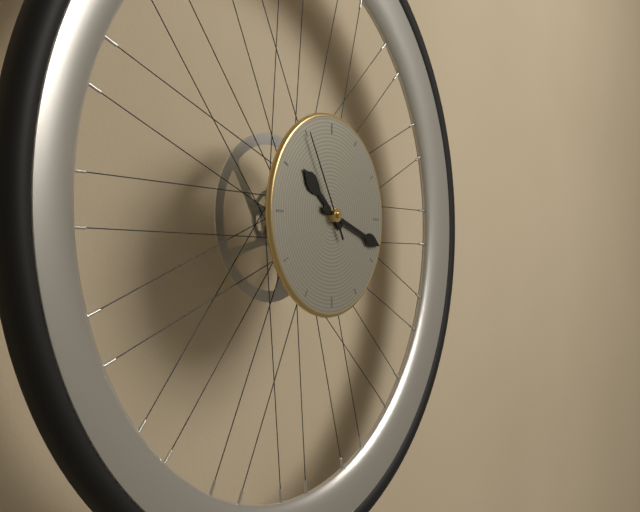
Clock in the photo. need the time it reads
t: 10:18:55
